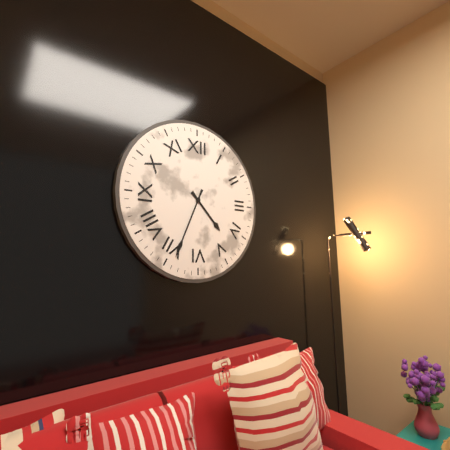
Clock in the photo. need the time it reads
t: 4:34
